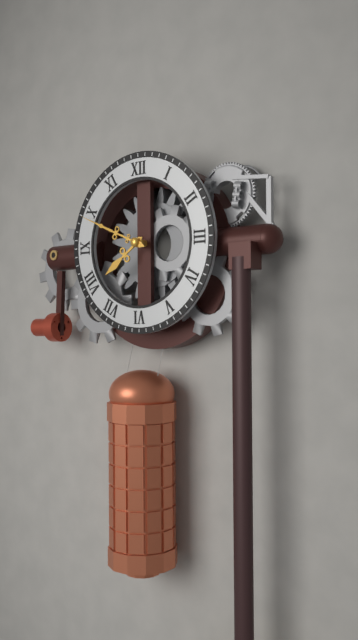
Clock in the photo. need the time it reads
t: 7:49
